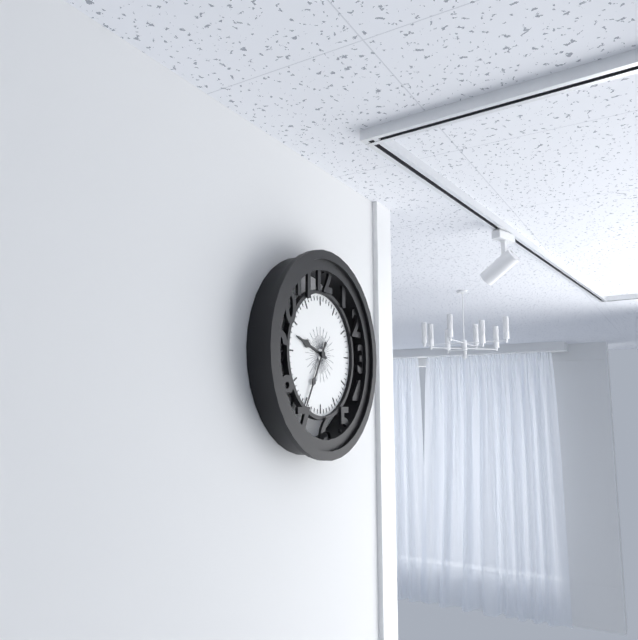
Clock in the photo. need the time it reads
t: 9:35
